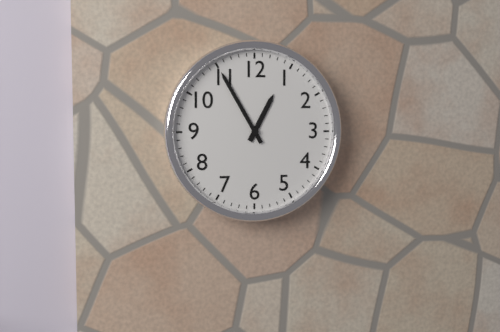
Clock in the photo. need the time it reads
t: 12:55
